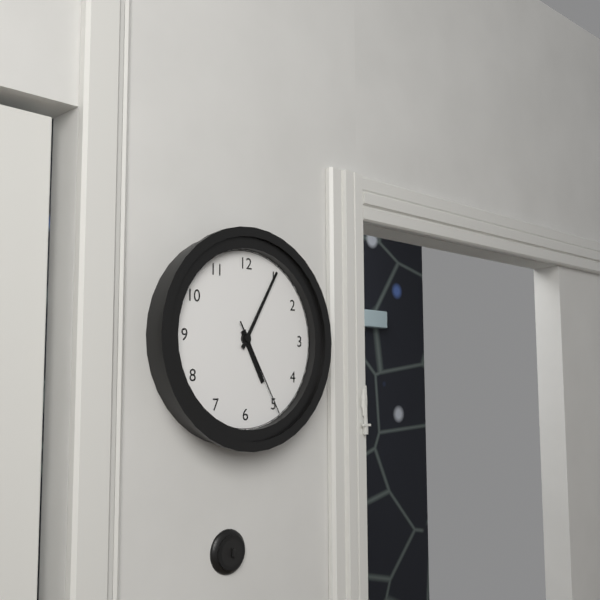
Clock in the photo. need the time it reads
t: 5:05:25
